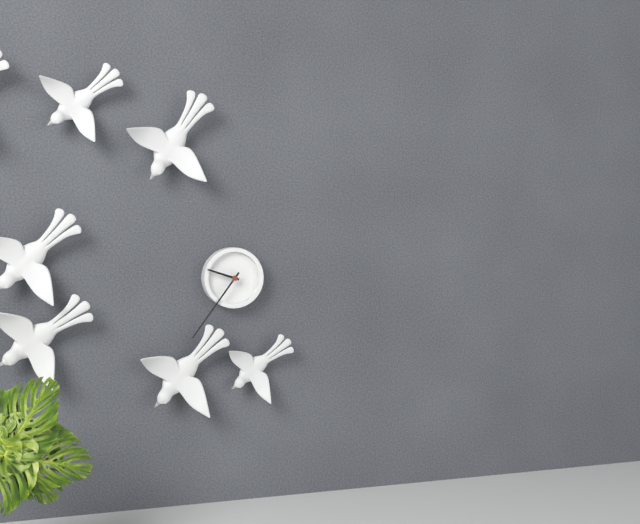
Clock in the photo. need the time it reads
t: 9:36
